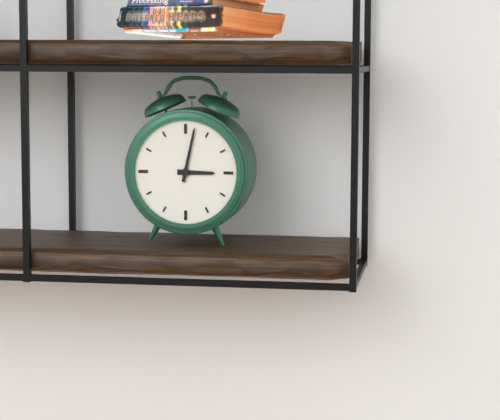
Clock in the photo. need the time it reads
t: 3:02
